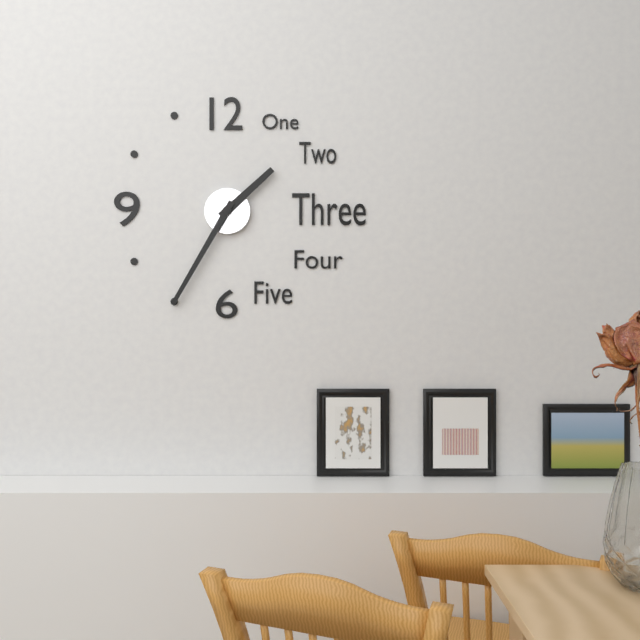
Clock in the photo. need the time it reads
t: 1:35
